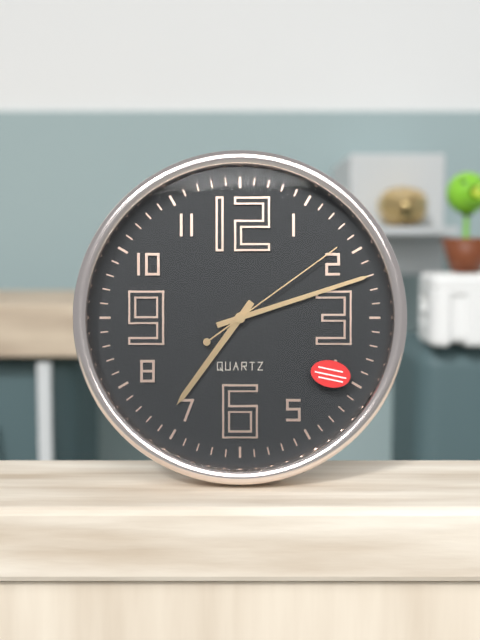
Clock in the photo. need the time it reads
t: 7:12:09
